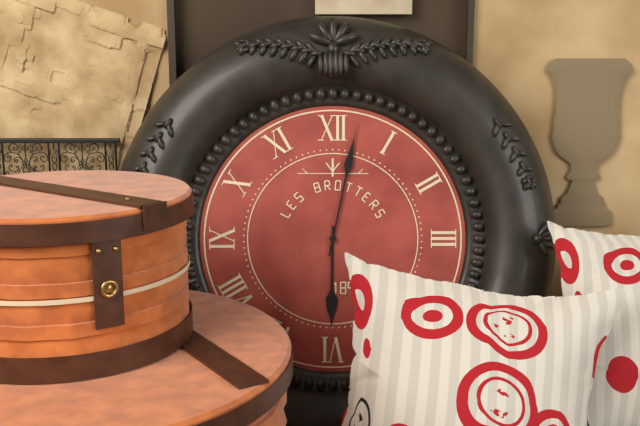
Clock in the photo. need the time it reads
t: 6:02
